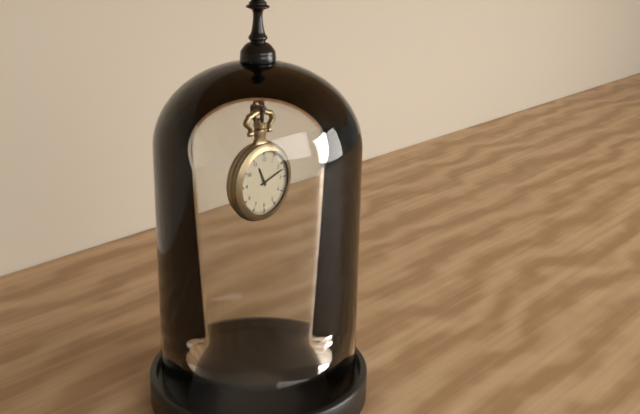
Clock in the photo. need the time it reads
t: 11:12
